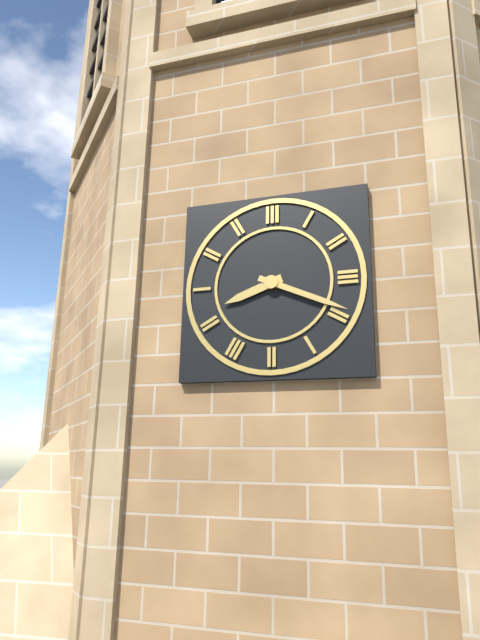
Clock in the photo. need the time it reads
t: 8:19
